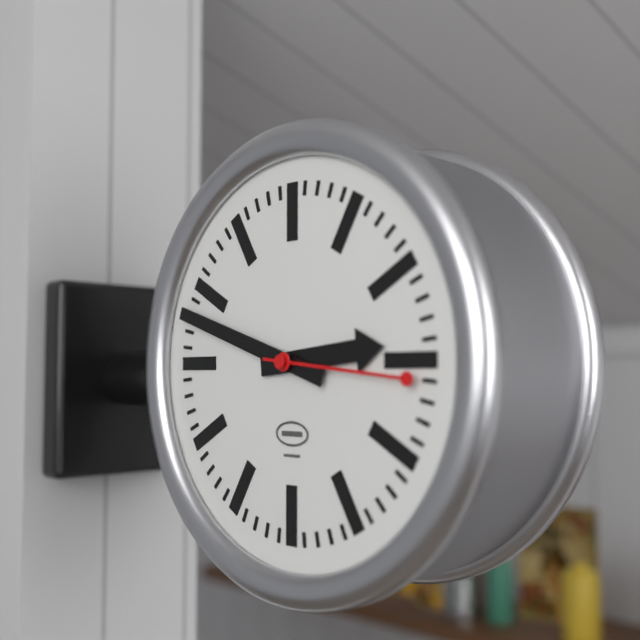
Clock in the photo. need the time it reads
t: 2:48:16
